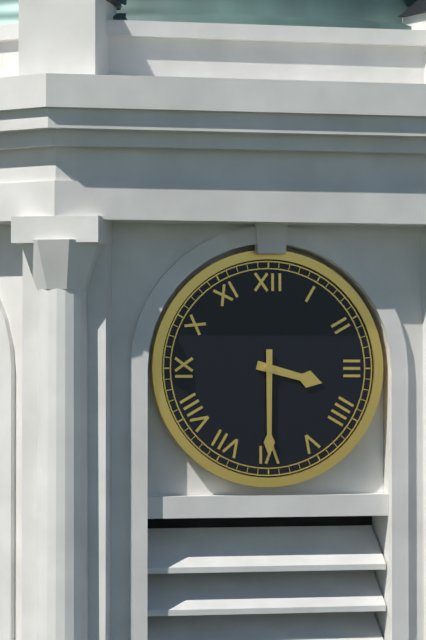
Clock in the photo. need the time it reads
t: 3:30
